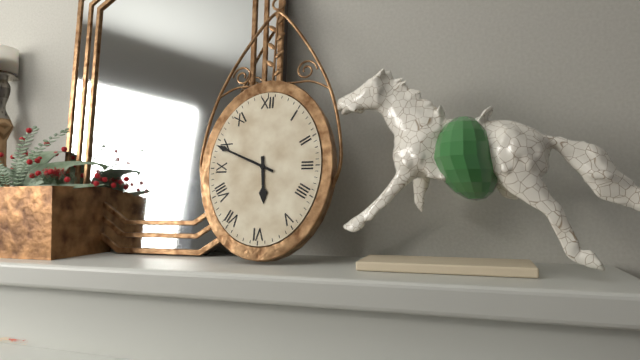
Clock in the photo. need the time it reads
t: 5:49
